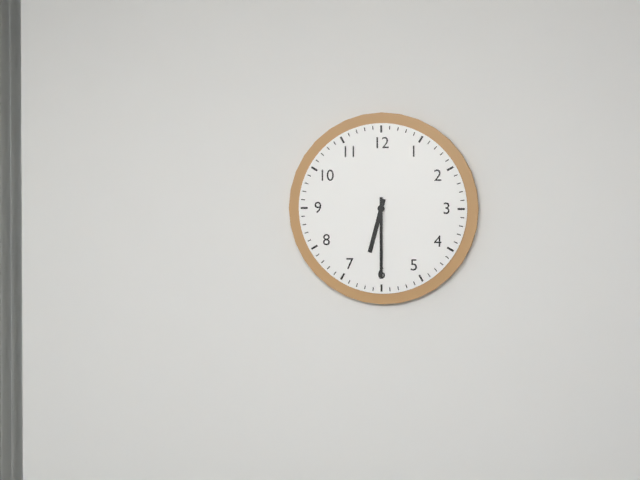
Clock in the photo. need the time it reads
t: 6:30
